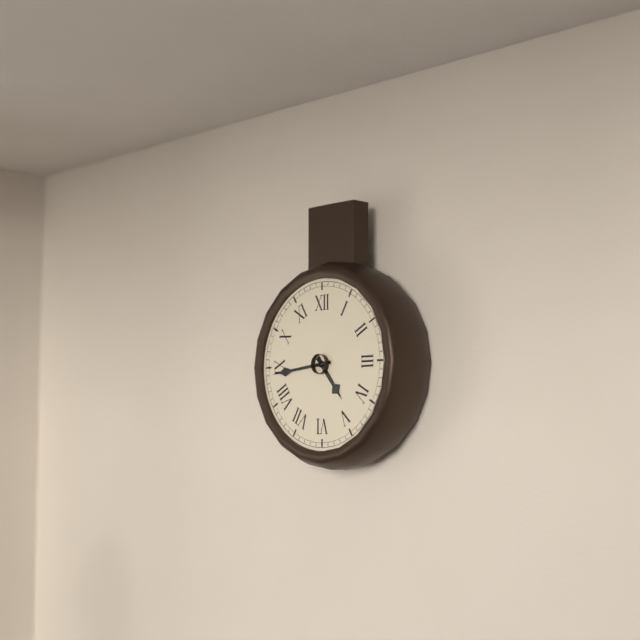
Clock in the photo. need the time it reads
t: 4:44
